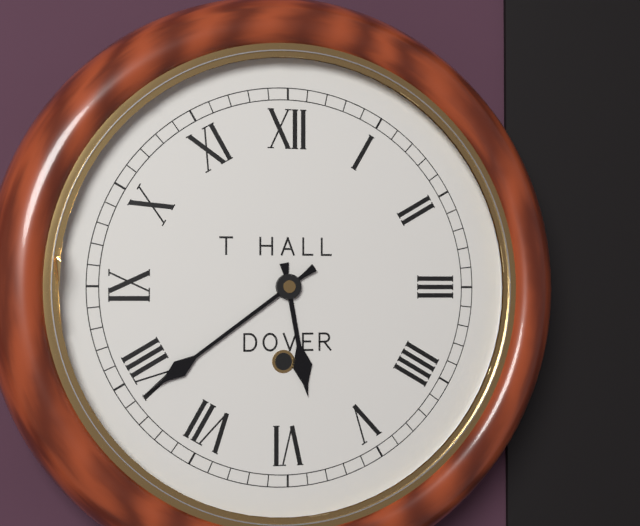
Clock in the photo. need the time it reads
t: 5:39
